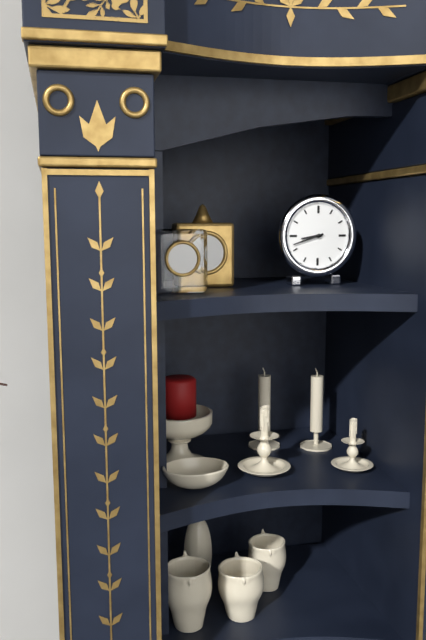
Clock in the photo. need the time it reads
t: 8:42
